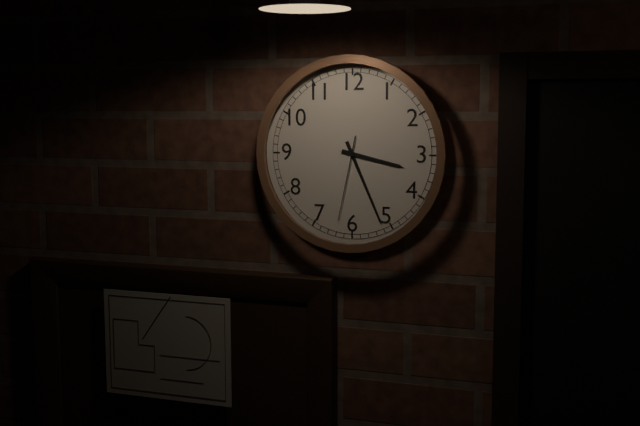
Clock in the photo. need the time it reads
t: 3:26:32
